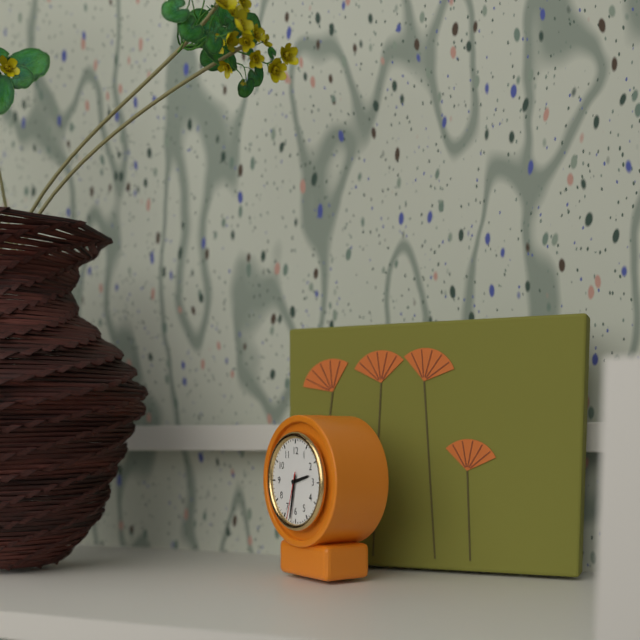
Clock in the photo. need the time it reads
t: 2:32
